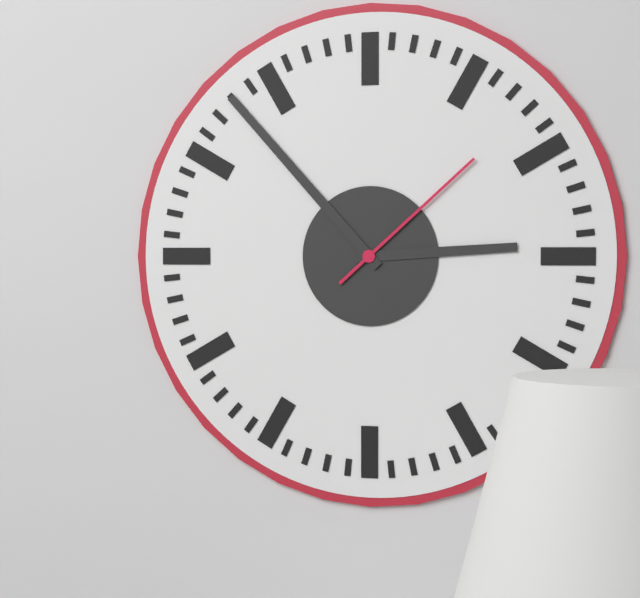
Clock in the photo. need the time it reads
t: 2:53:08
